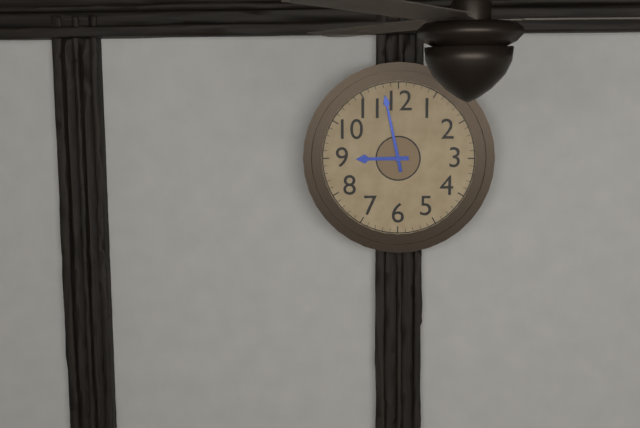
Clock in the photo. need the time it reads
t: 8:58
